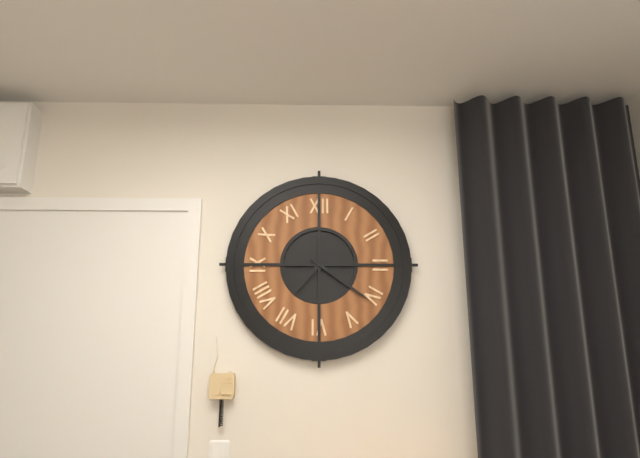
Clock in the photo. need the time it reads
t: 7:21
